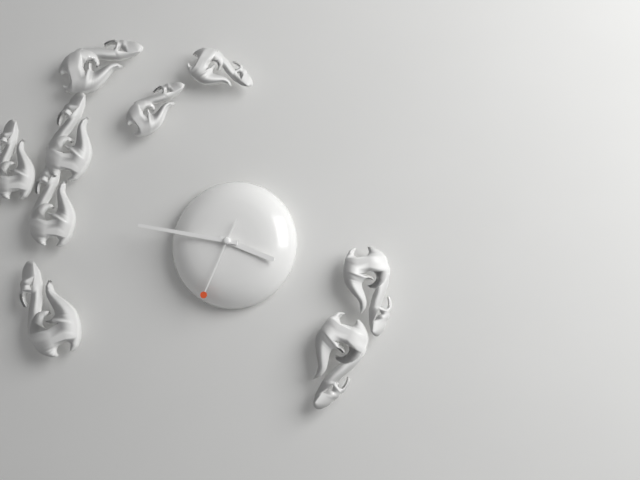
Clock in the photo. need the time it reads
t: 3:47:34
